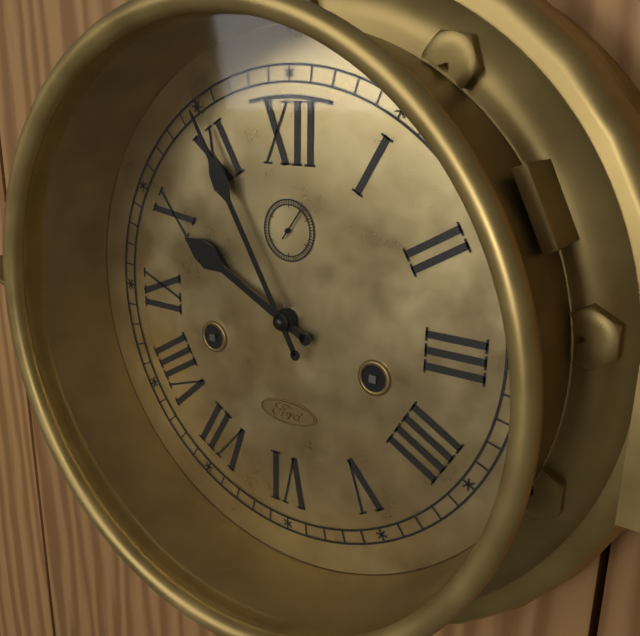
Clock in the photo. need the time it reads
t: 9:55
